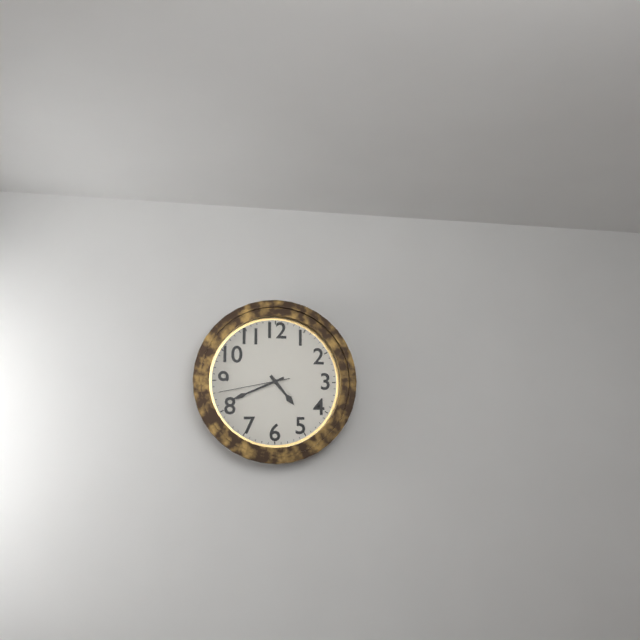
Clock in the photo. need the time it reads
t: 4:41:43
